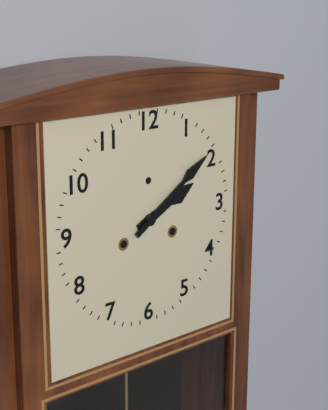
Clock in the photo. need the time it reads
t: 2:09
